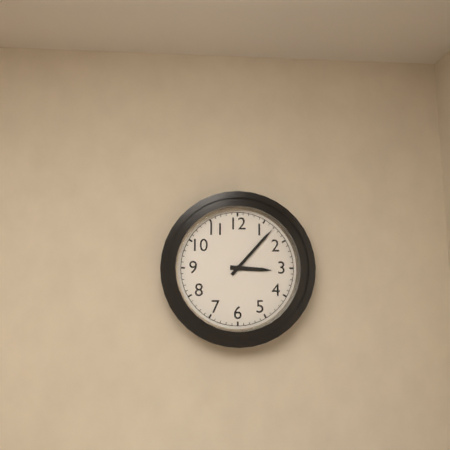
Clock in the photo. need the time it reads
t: 3:07
